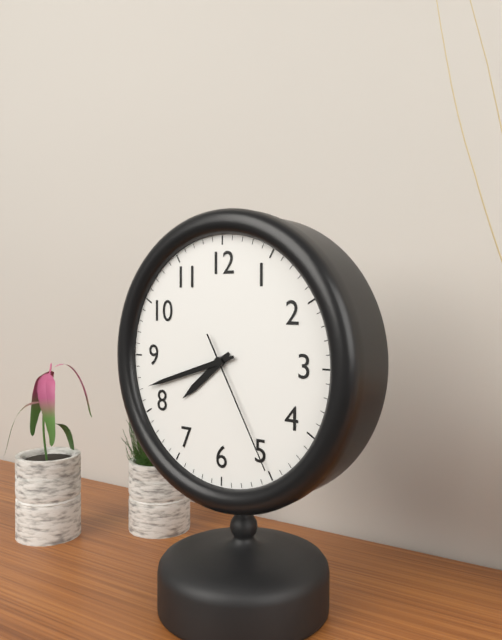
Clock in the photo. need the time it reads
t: 7:42:25
